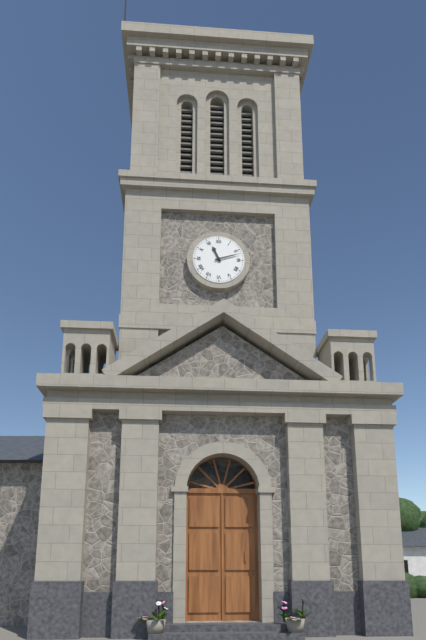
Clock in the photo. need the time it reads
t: 11:12
